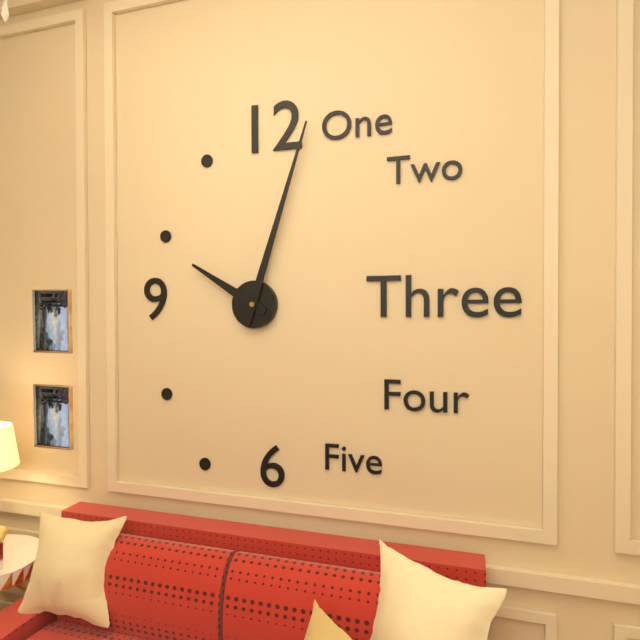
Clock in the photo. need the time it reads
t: 10:03
